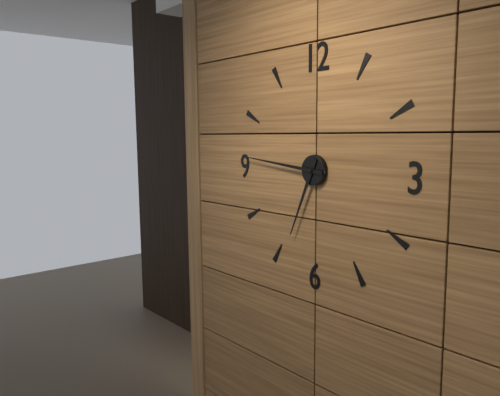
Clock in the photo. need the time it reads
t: 6:46
